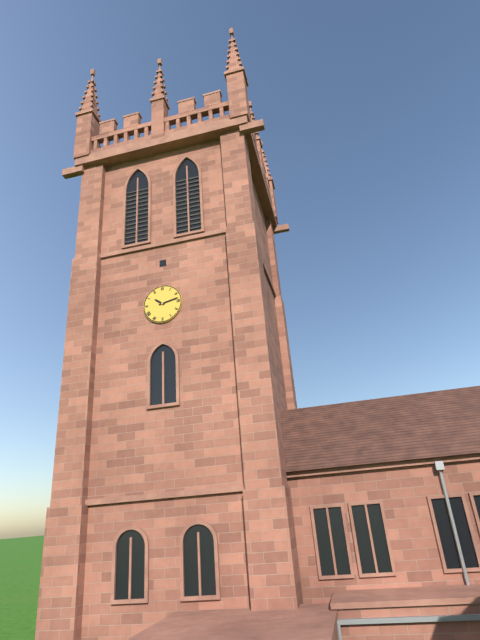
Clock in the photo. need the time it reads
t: 10:13
